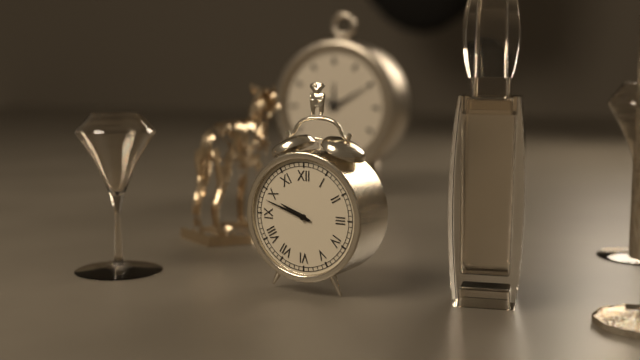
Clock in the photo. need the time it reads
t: 9:48
